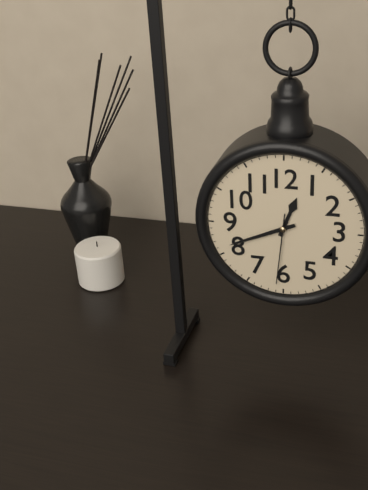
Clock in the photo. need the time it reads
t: 12:41:31
